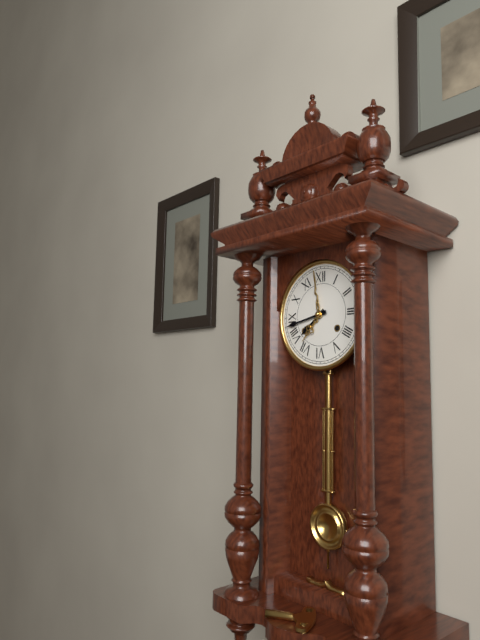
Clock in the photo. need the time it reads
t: 7:43
